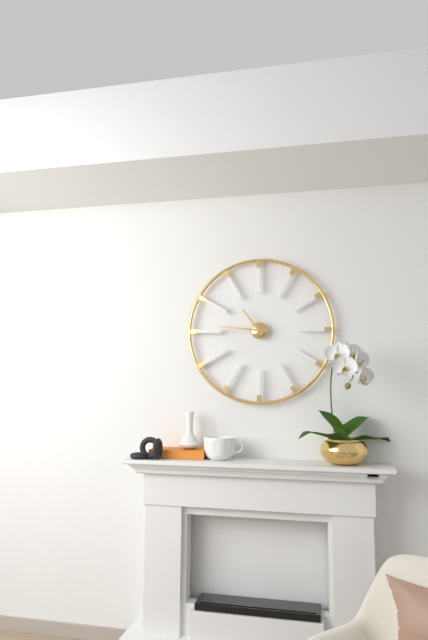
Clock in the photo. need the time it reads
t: 10:46
